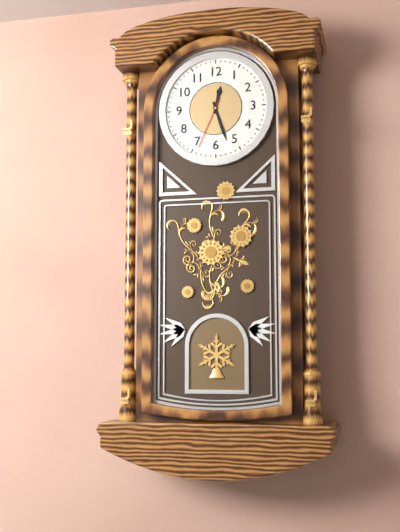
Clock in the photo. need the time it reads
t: 12:27
